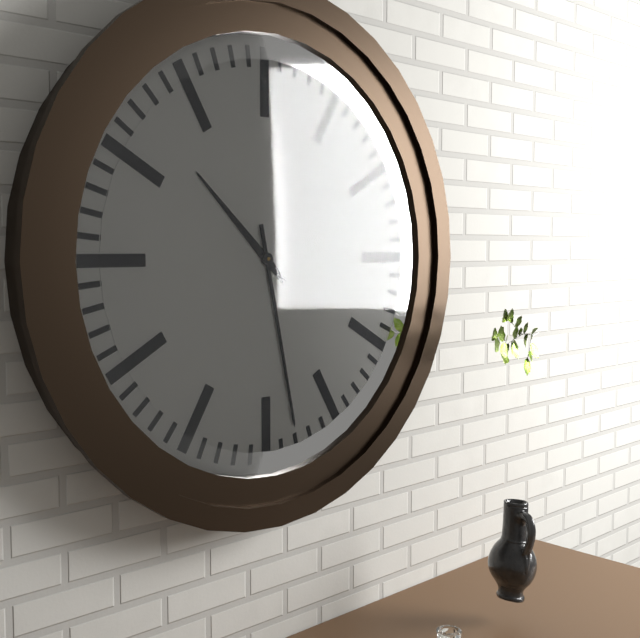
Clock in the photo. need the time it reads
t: 10:28
